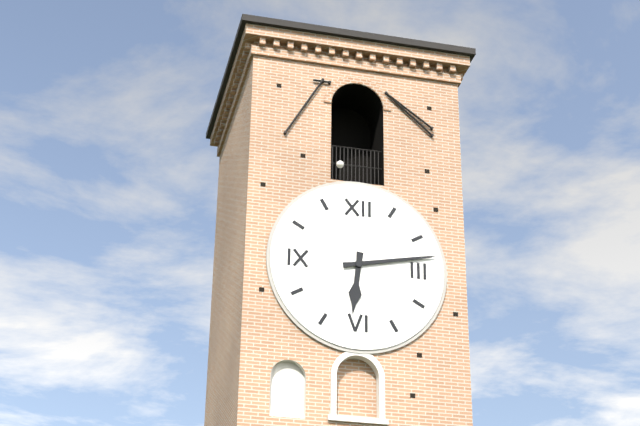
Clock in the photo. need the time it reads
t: 6:13
